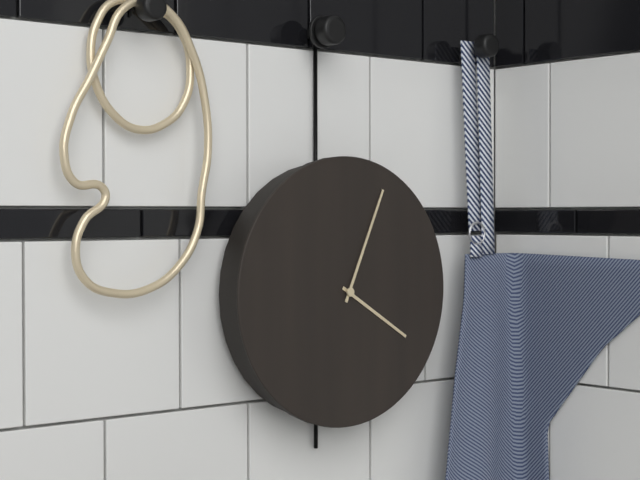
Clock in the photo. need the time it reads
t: 4:04
